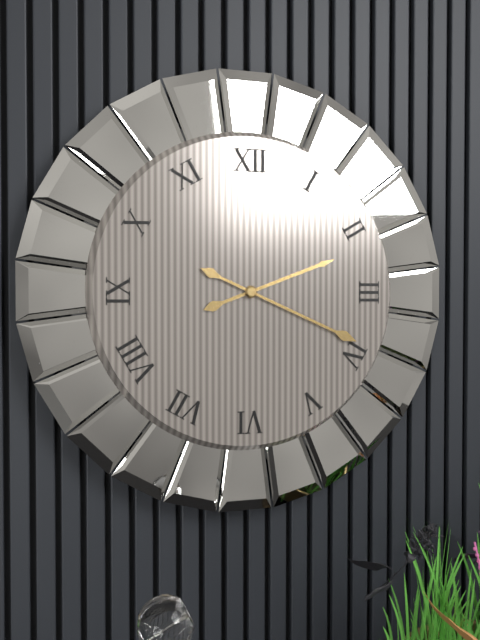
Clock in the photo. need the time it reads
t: 2:19
